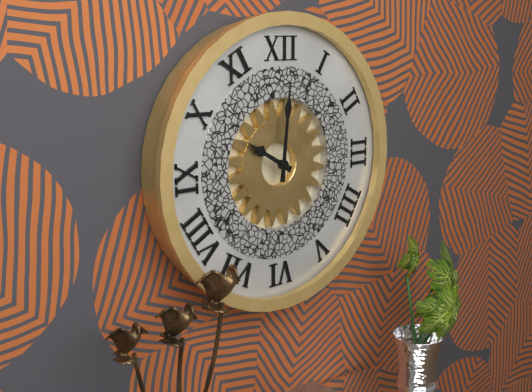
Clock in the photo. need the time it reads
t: 10:01
